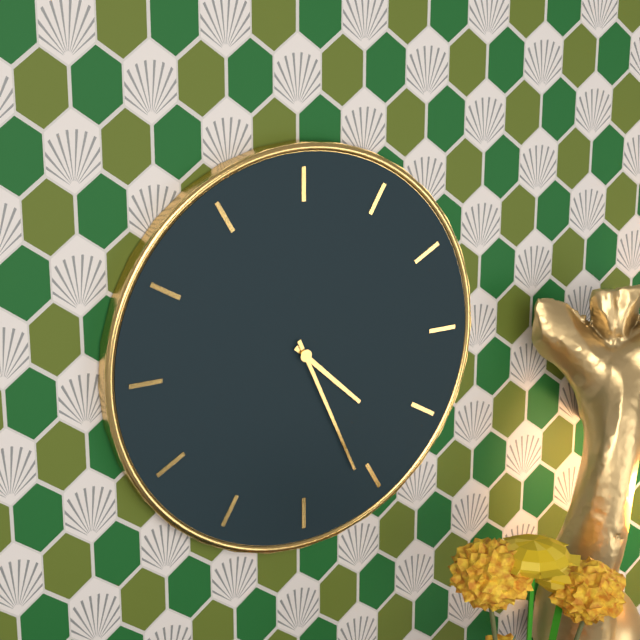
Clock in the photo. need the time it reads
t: 4:26
